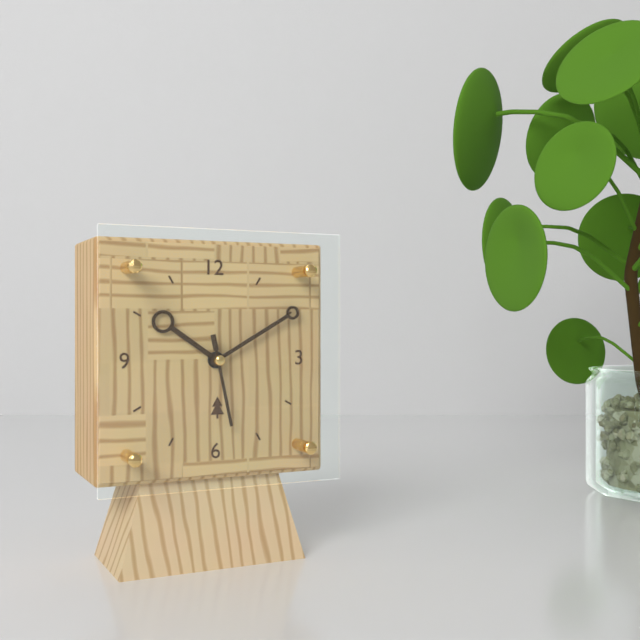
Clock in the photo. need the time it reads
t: 10:10:28
